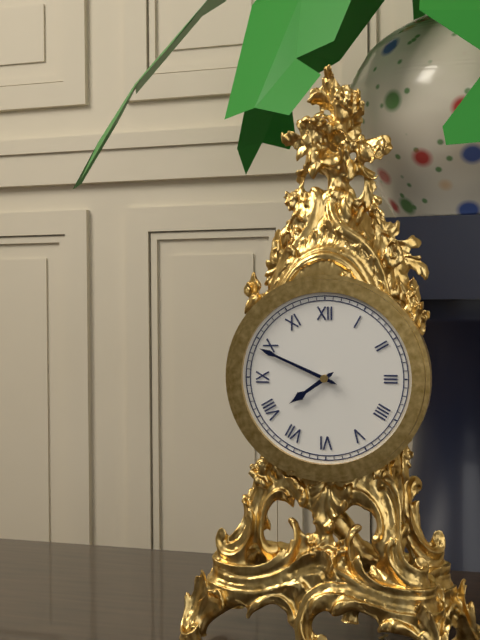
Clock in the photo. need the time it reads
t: 7:49
